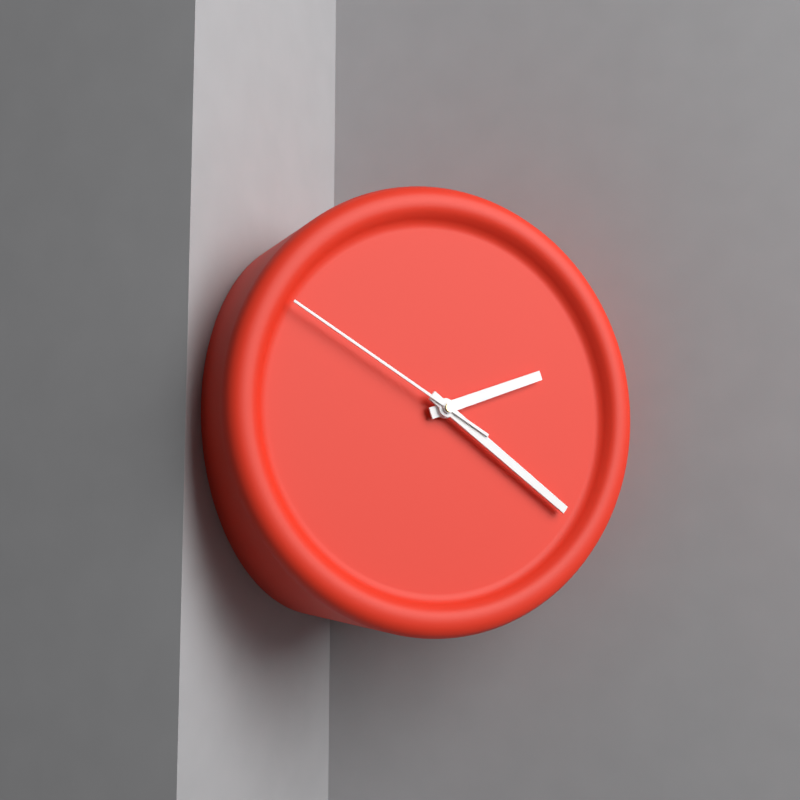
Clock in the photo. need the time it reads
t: 2:21:50
